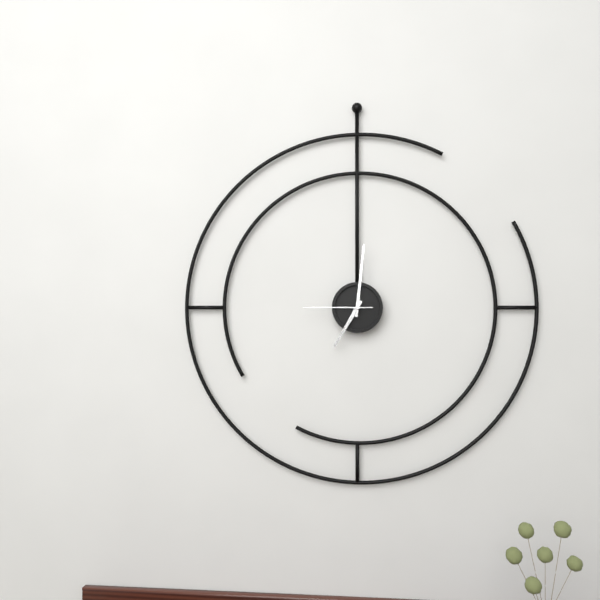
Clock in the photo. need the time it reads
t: 7:01:45
